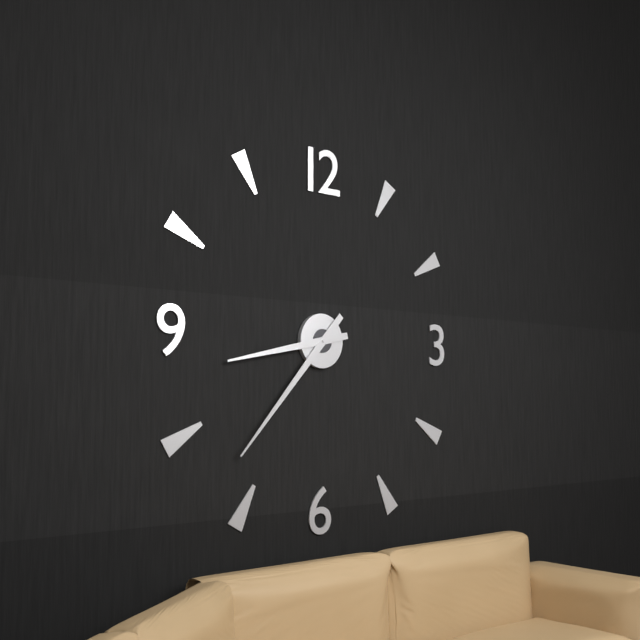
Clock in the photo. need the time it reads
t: 8:37
